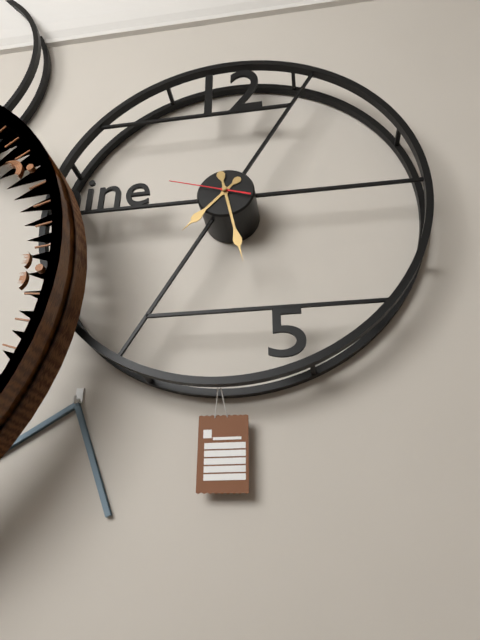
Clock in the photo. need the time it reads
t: 7:28:48
